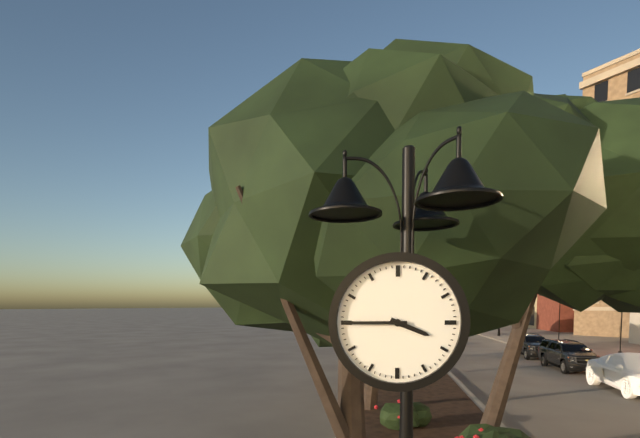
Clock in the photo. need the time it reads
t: 3:45
